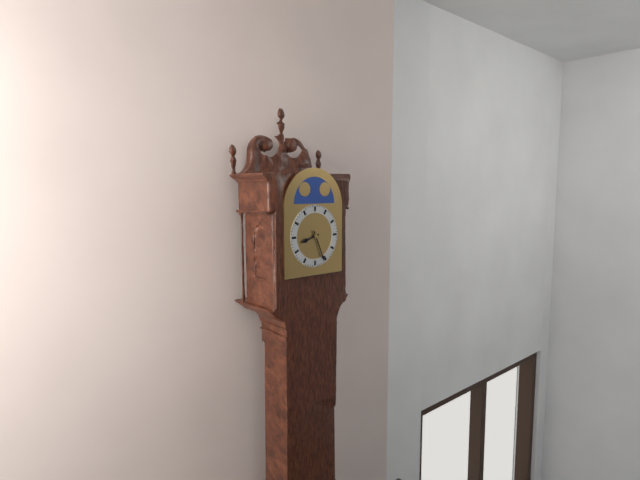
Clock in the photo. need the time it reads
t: 8:26
